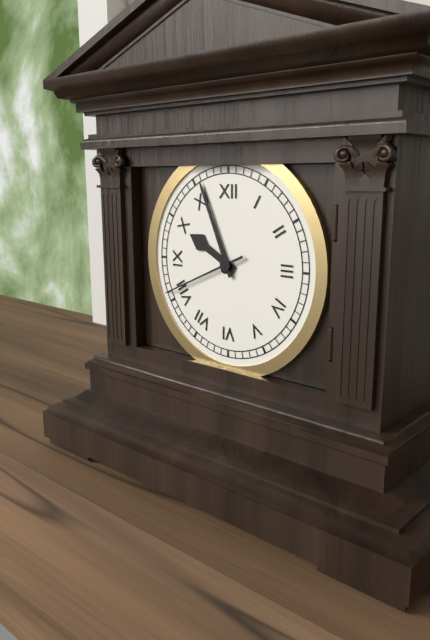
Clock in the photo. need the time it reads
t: 9:56:41
